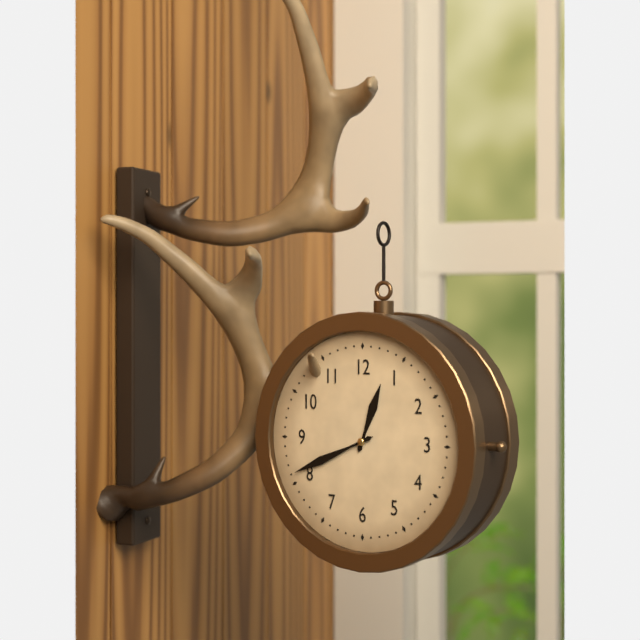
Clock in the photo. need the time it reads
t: 12:41
